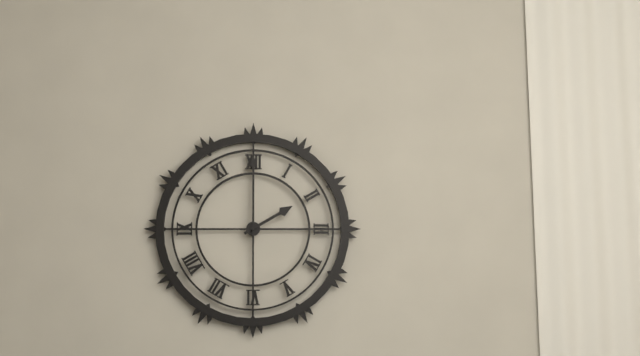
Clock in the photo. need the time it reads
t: 2:00
